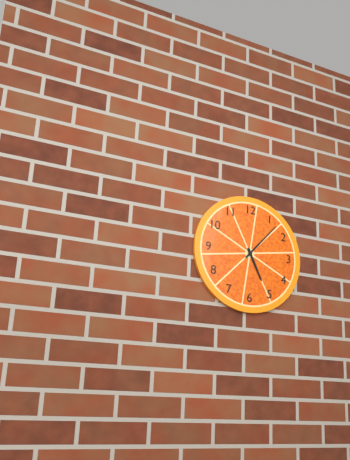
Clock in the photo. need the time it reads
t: 5:07
